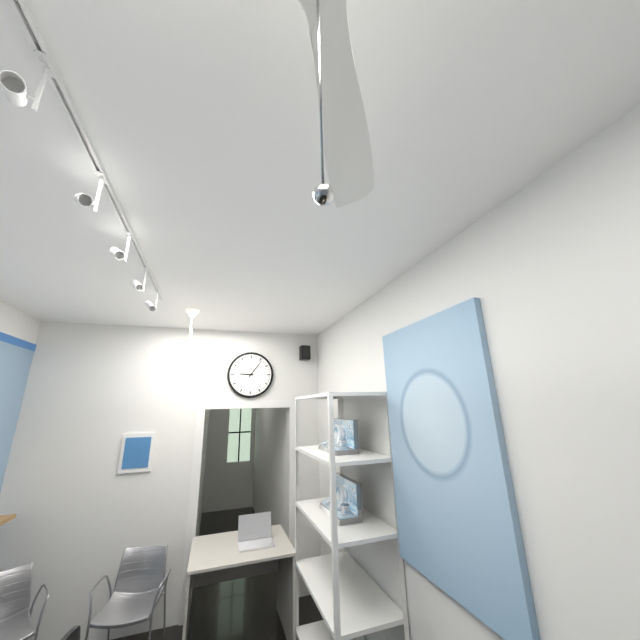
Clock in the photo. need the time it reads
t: 9:06
